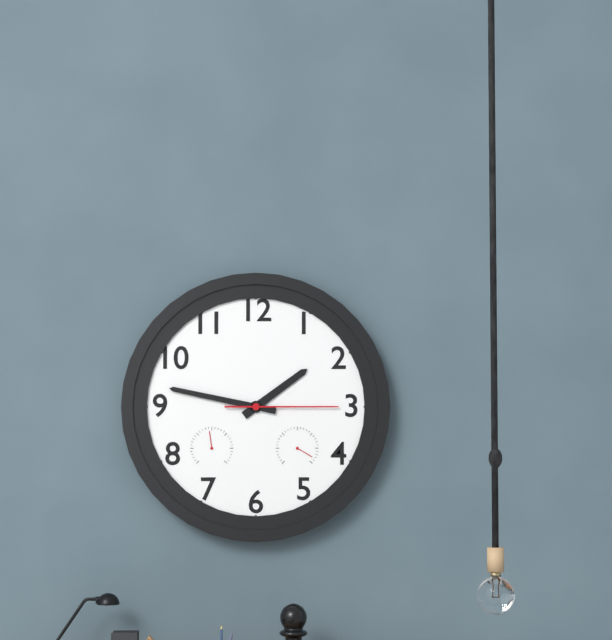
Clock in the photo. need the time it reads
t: 1:47:15
